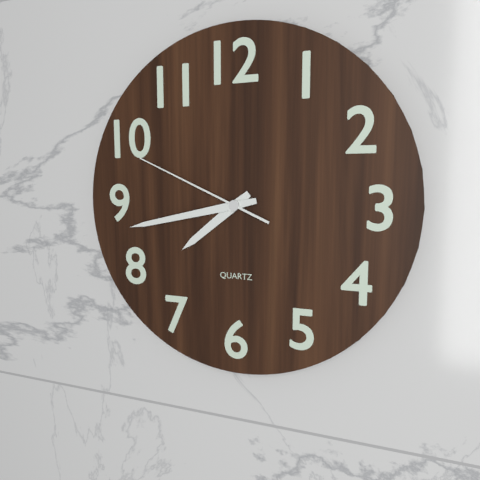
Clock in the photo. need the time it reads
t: 7:43:49
